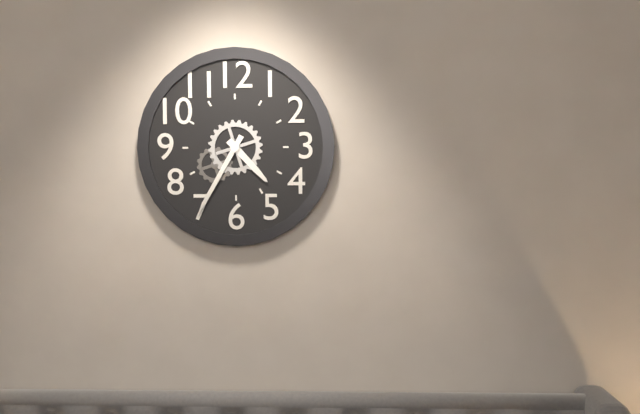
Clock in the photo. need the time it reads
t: 4:35
